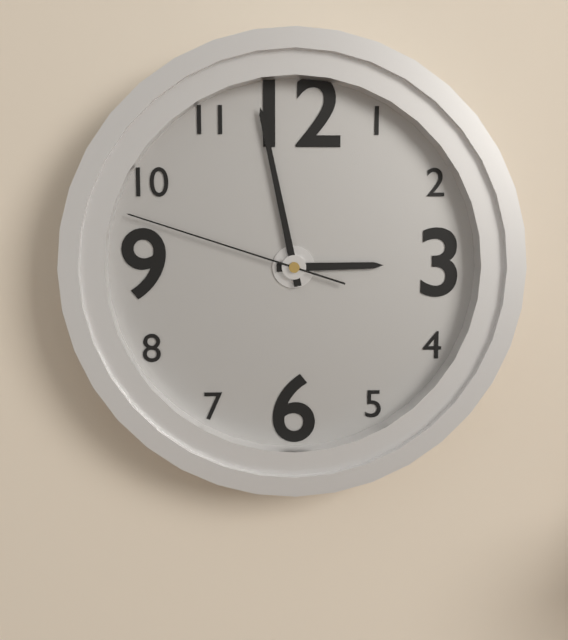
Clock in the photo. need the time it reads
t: 2:58:48
